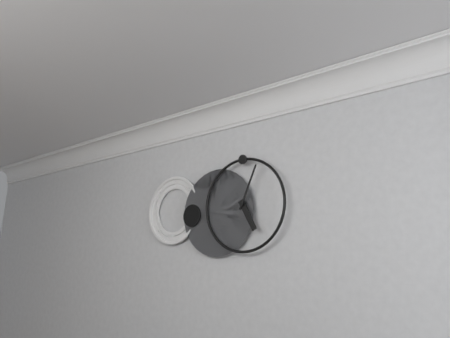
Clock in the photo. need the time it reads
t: 5:04
